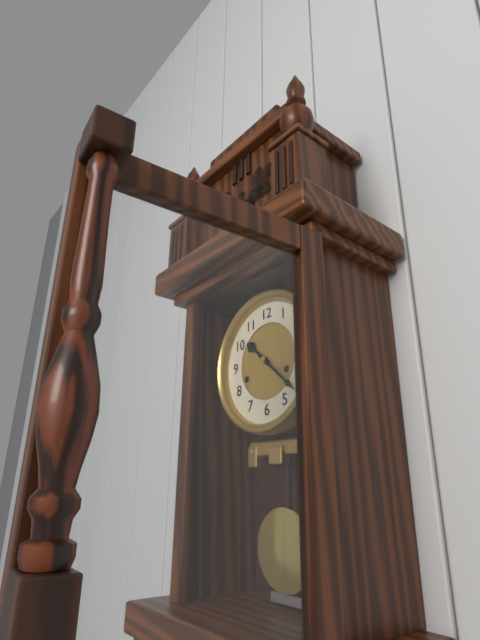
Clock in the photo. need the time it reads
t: 10:22
